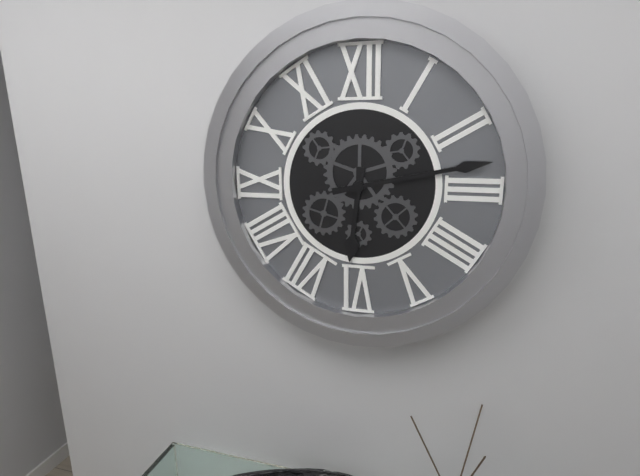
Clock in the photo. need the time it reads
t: 6:13
